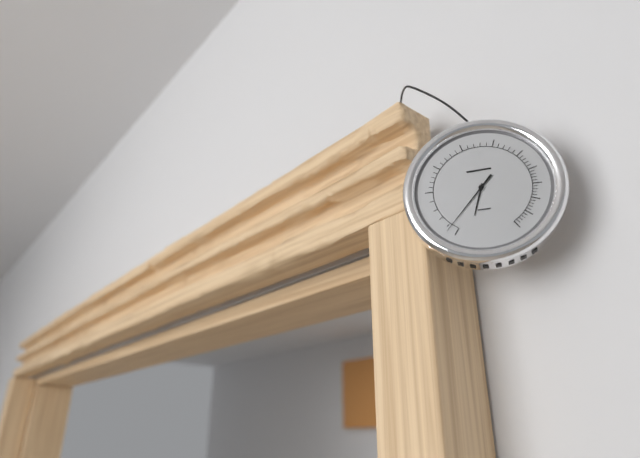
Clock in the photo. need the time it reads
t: 6:37
